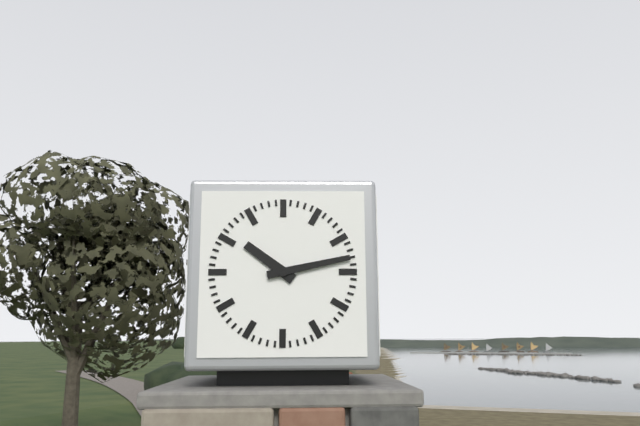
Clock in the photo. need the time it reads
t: 10:13
